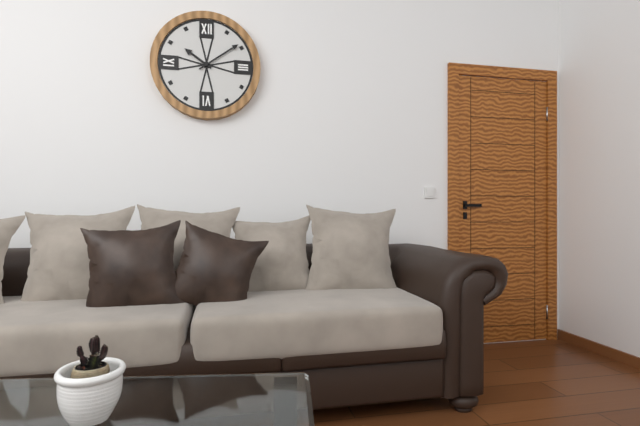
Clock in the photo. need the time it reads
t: 10:09
